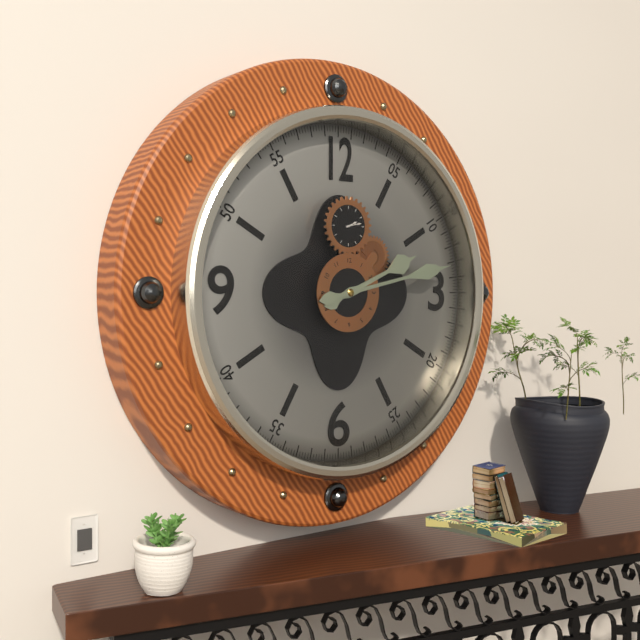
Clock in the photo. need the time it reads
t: 2:13
